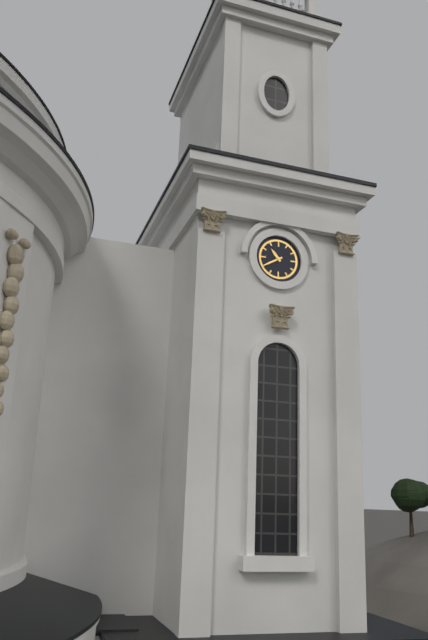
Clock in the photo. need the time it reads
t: 10:40
